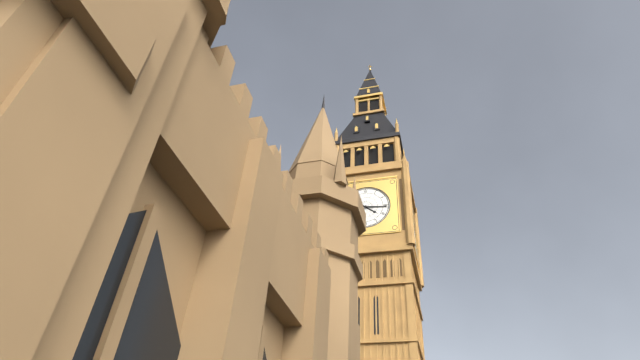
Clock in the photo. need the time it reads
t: 4:16
